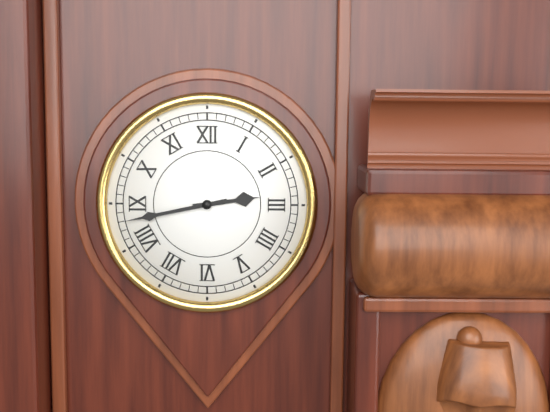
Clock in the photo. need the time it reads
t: 2:43
